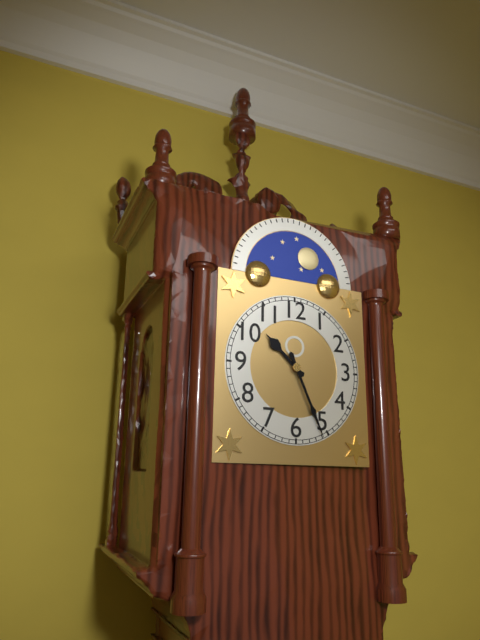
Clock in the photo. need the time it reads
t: 10:26
